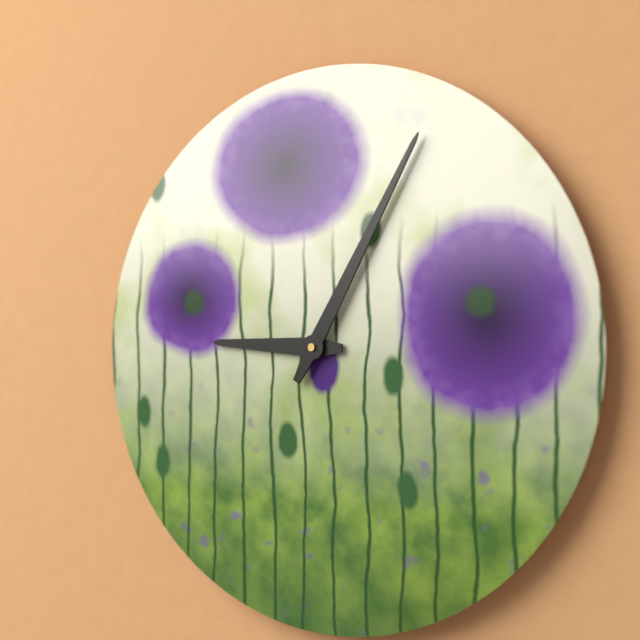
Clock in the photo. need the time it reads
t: 9:05
